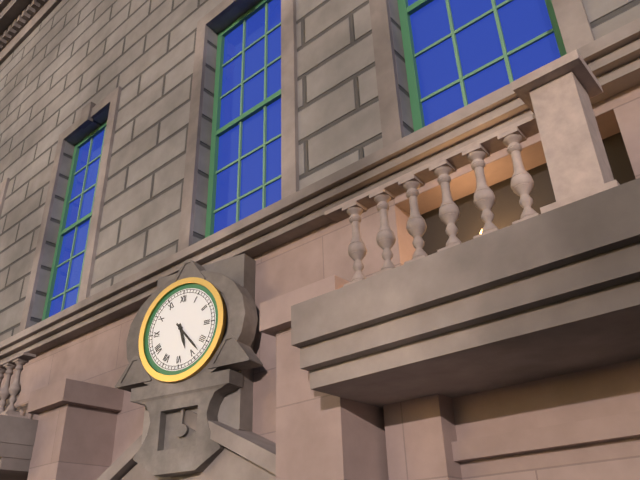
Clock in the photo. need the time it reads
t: 5:23
